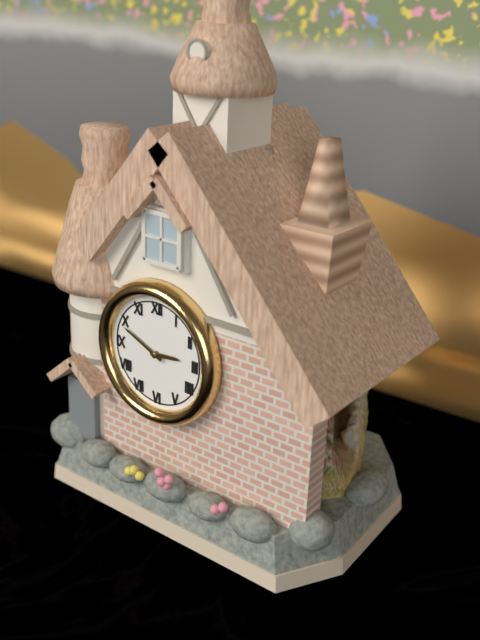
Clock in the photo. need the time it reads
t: 2:49
